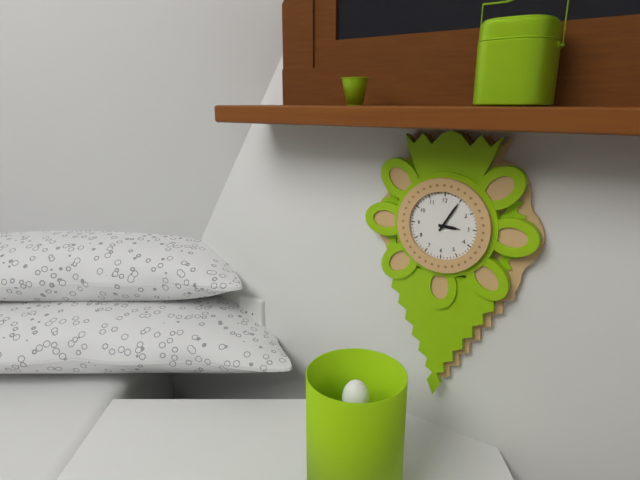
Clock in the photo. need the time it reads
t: 3:05
